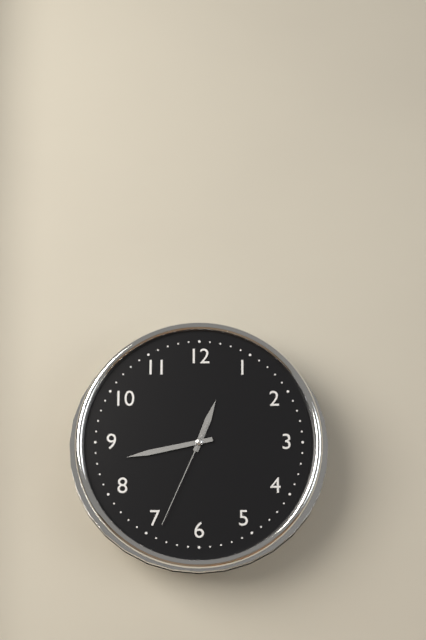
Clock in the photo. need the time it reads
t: 12:43:34
